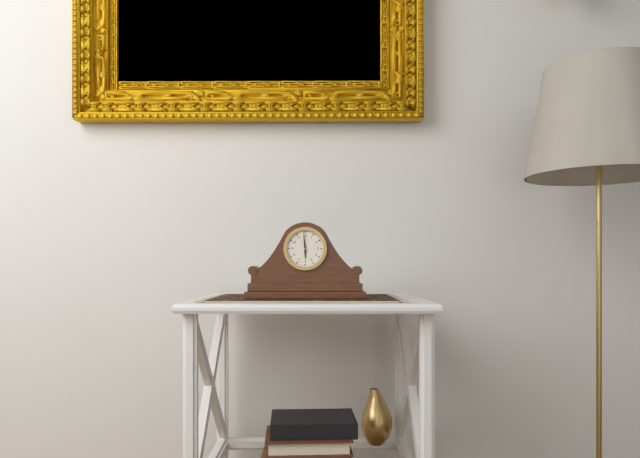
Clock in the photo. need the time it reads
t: 5:59
